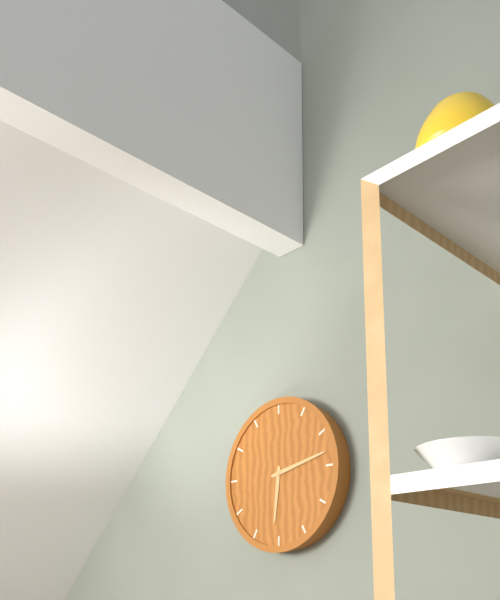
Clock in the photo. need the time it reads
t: 6:13
